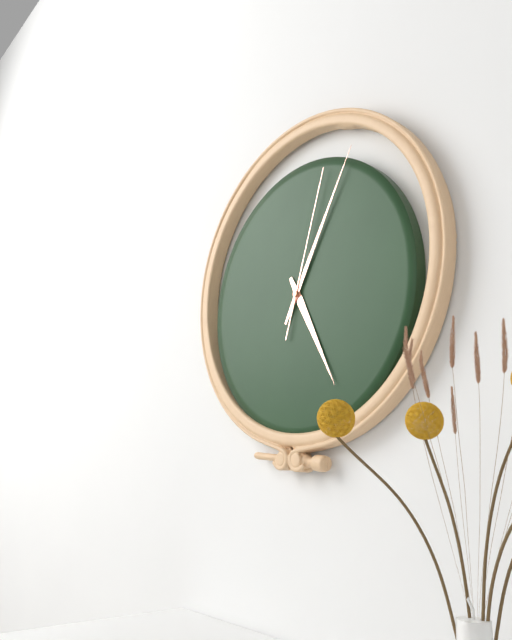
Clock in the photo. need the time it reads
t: 5:05:03
